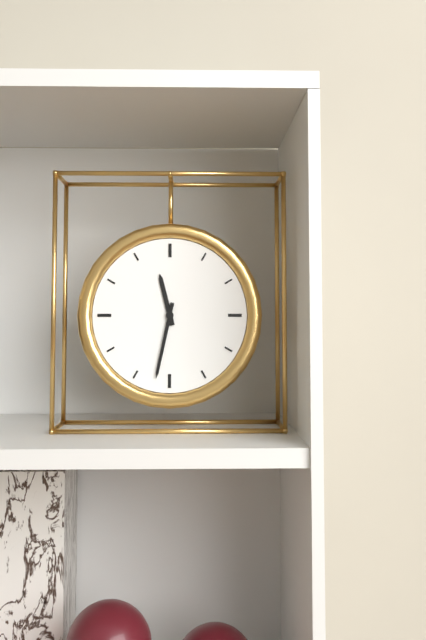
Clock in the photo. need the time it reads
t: 11:32
